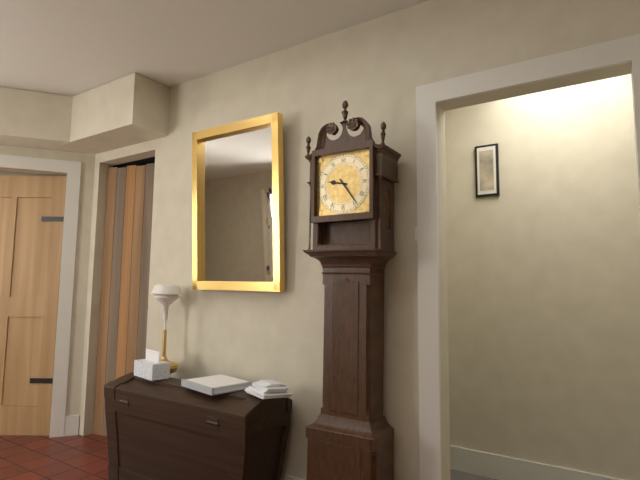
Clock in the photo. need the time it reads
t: 9:24
